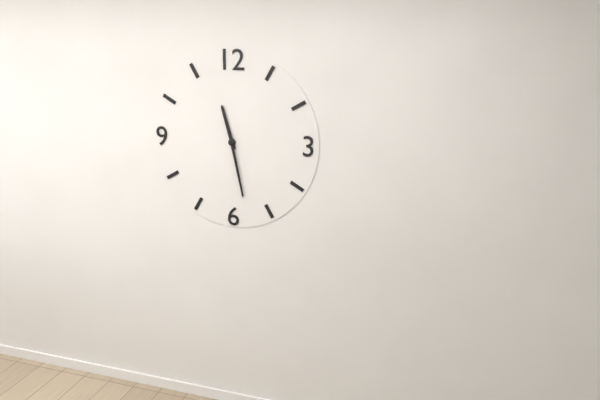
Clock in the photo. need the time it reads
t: 11:28
